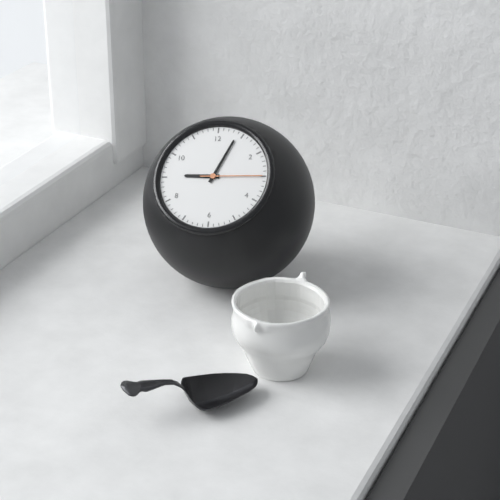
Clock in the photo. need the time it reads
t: 9:04:15
